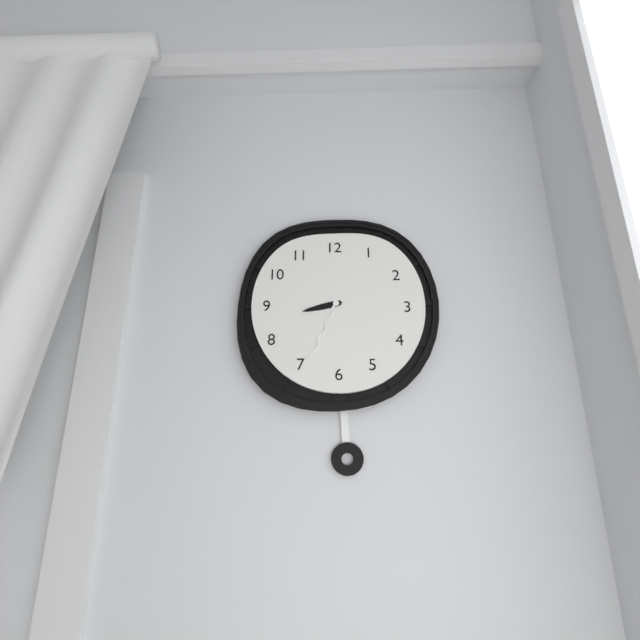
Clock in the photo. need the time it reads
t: 8:34
